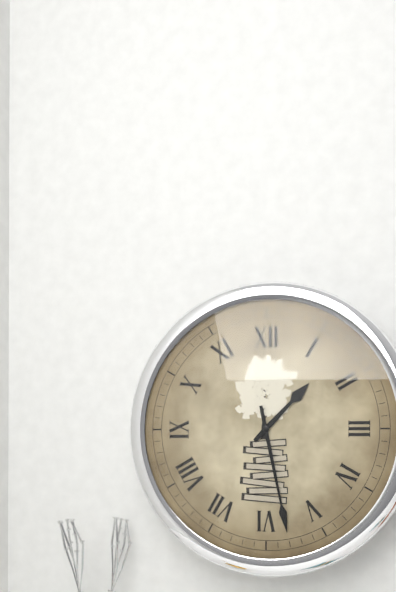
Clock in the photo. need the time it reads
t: 1:28
